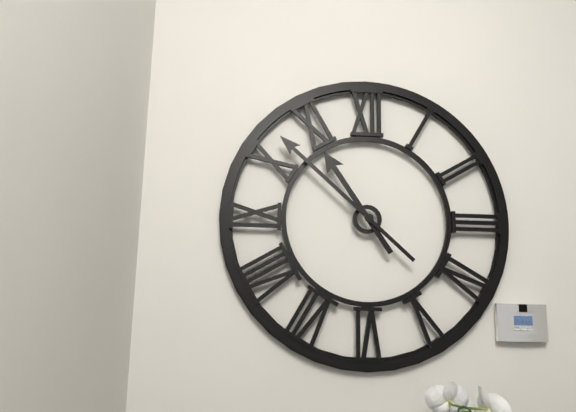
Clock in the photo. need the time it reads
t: 10:52
